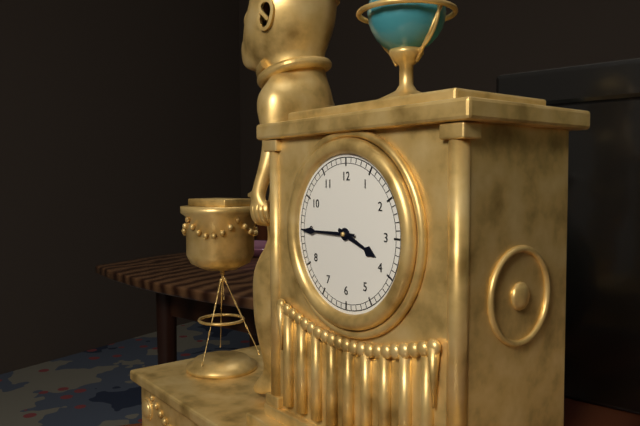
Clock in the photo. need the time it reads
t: 3:45
